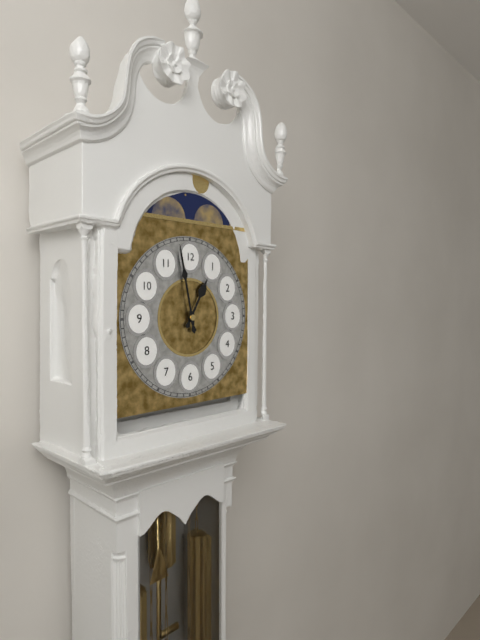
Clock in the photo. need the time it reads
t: 12:58
